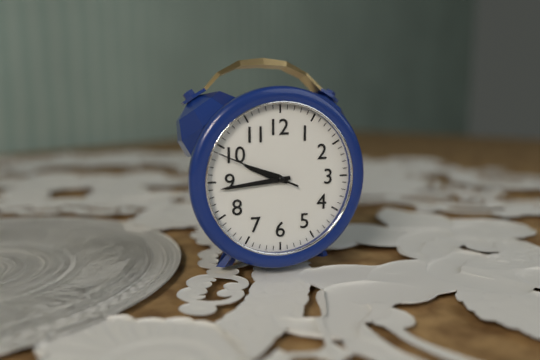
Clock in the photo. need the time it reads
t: 9:44:49
